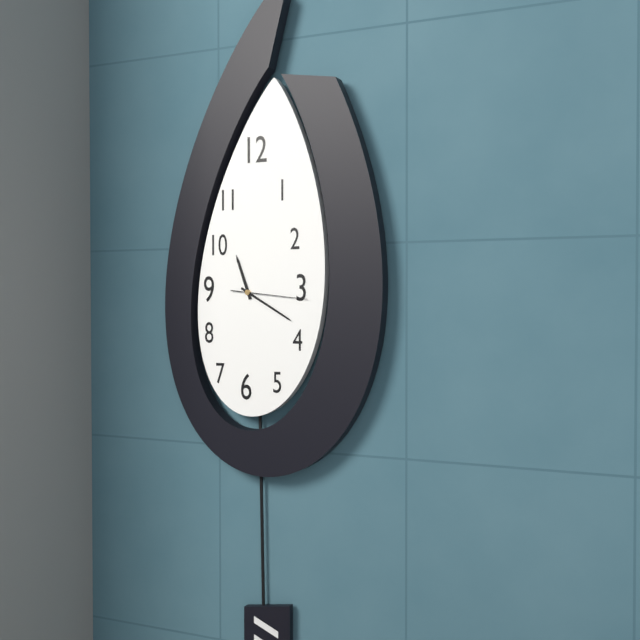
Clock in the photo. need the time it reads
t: 11:20:16
